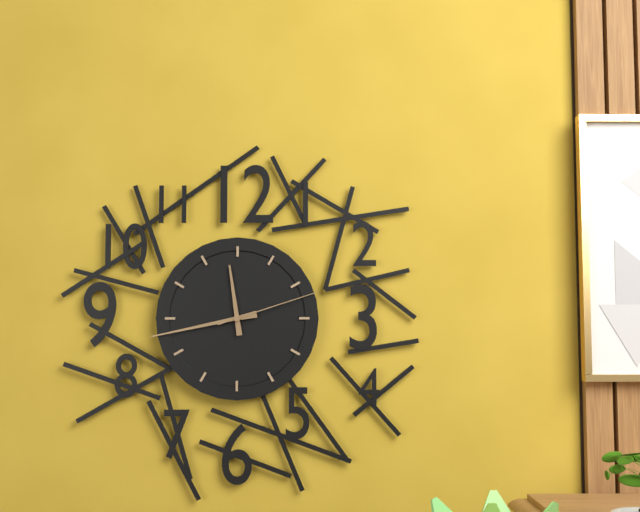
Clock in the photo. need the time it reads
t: 11:43:12
